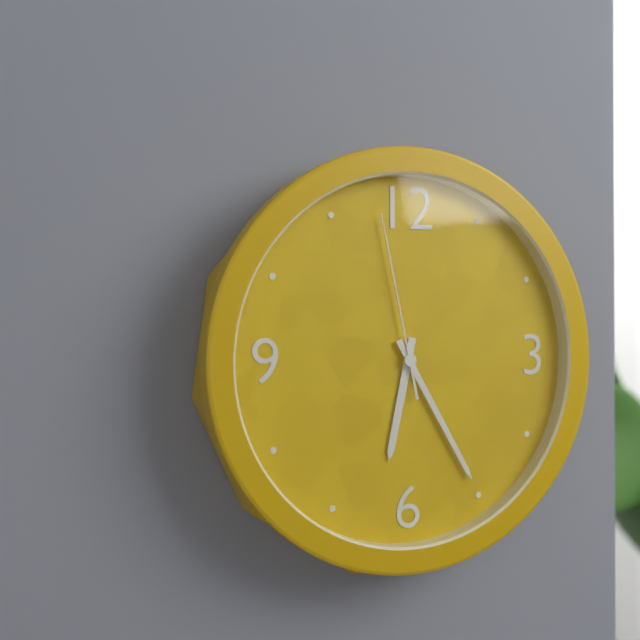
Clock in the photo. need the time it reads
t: 6:25:58
